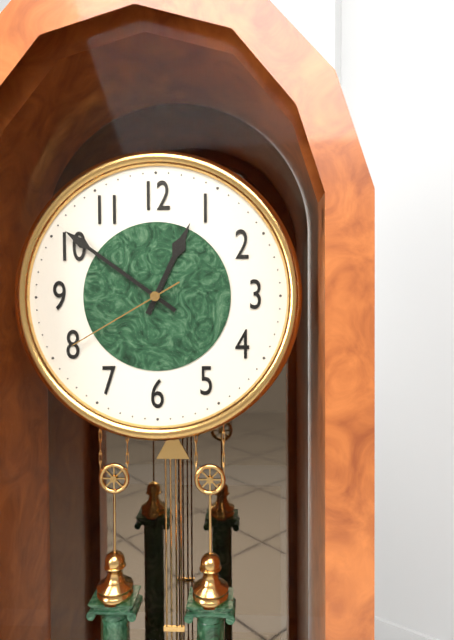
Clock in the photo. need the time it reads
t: 12:51:40
